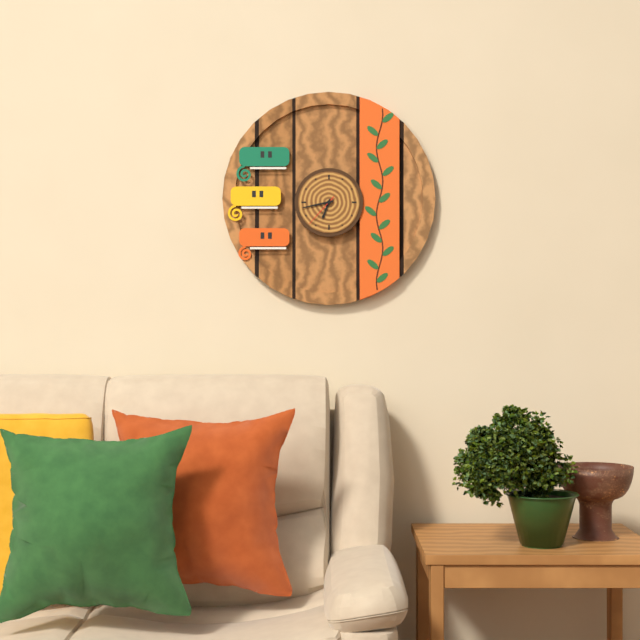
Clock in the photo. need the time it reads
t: 6:43
